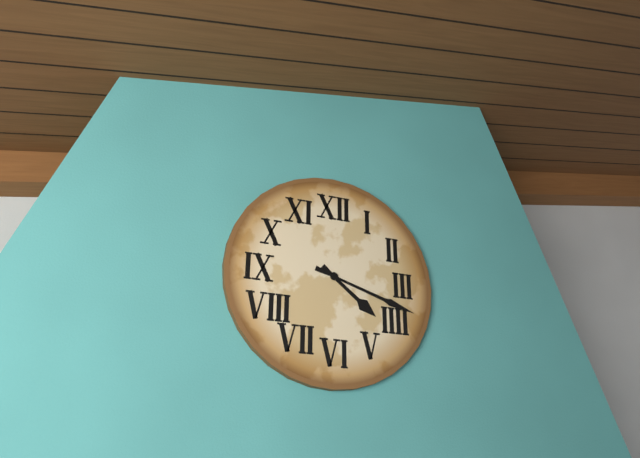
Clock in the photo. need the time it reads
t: 4:18
